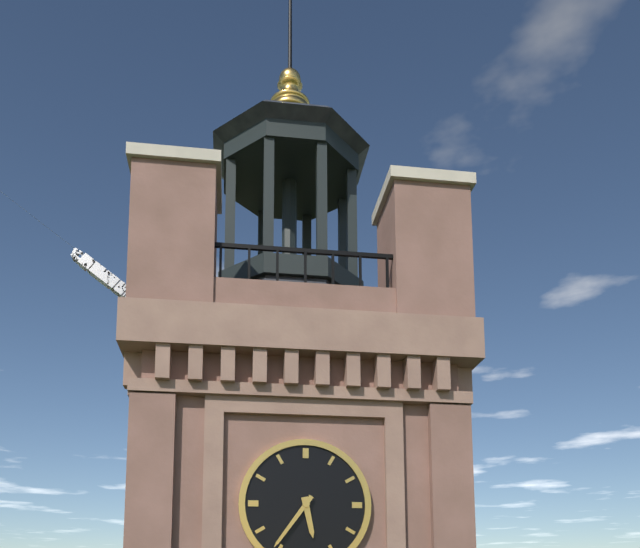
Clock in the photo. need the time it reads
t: 5:36
